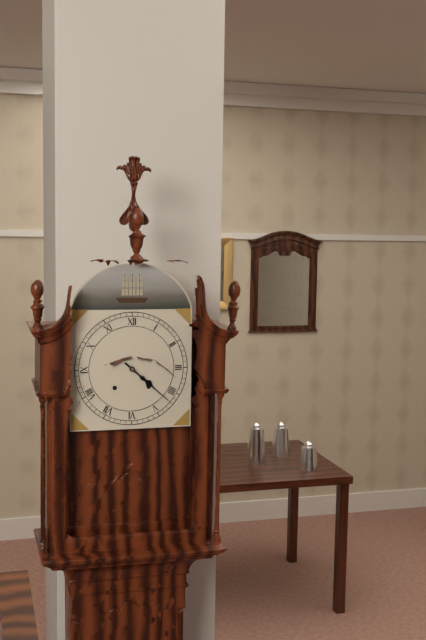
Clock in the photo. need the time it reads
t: 4:22
